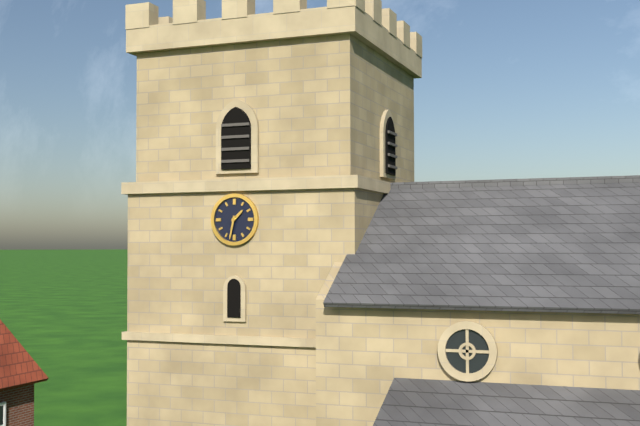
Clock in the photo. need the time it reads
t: 1:32
